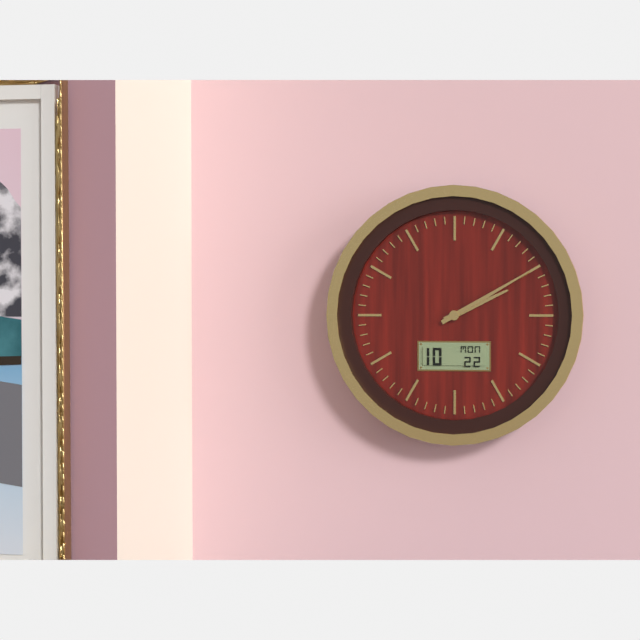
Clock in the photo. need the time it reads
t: 2:10
